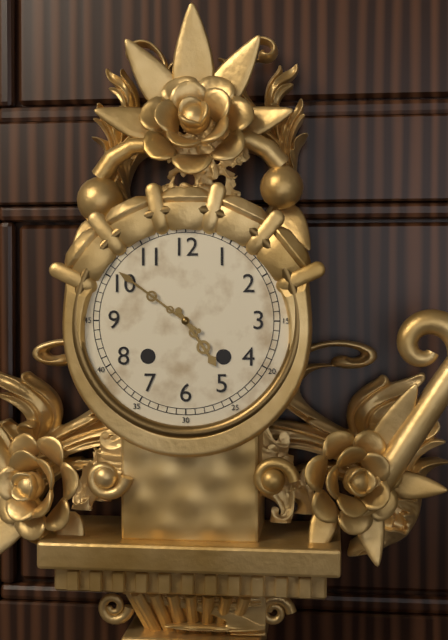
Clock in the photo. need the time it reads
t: 4:51
